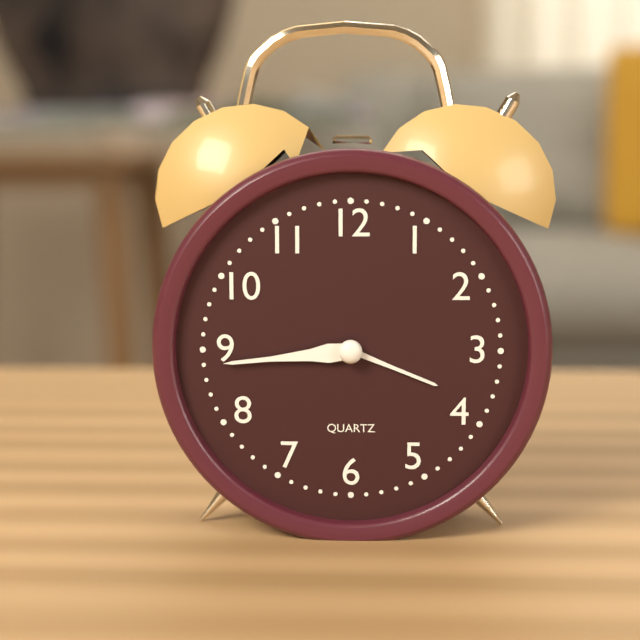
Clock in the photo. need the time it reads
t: 3:44
